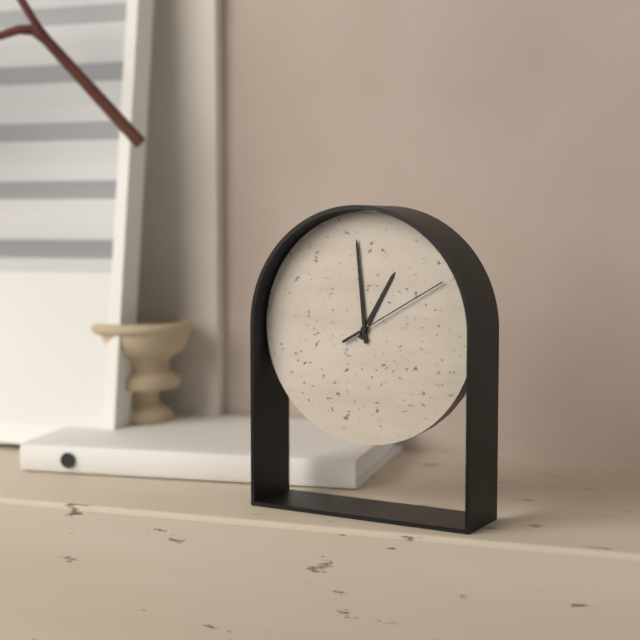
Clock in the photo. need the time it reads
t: 12:59:10
